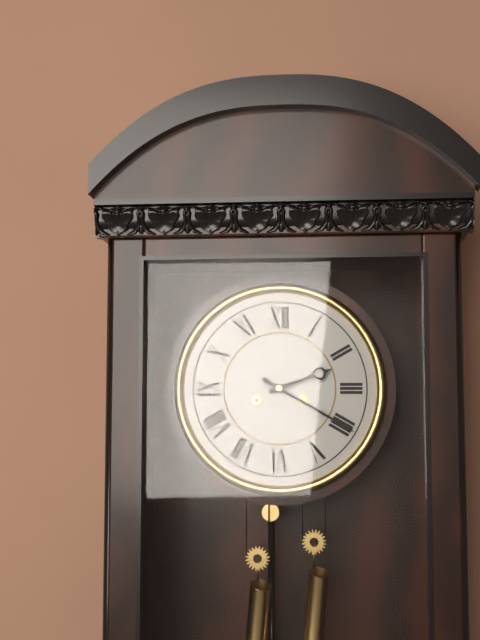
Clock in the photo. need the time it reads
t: 2:20
